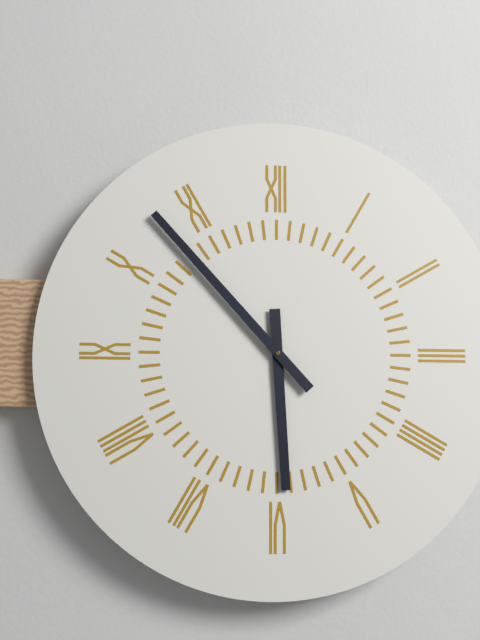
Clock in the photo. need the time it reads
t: 5:53
